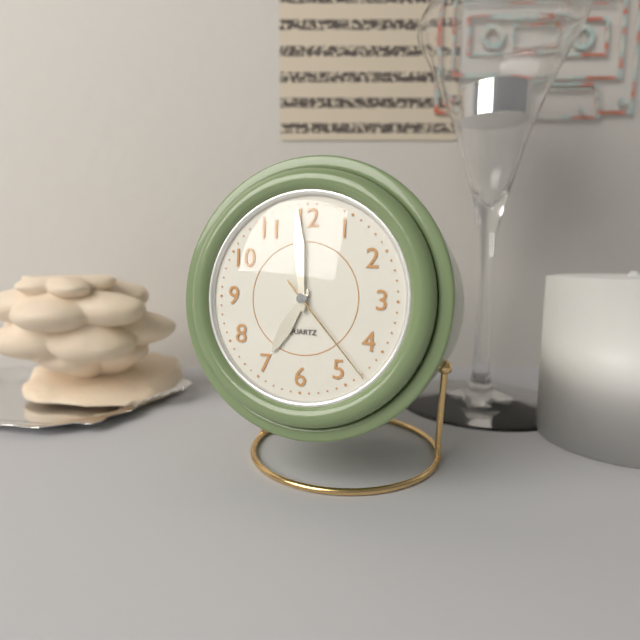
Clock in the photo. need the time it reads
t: 6:59:23
